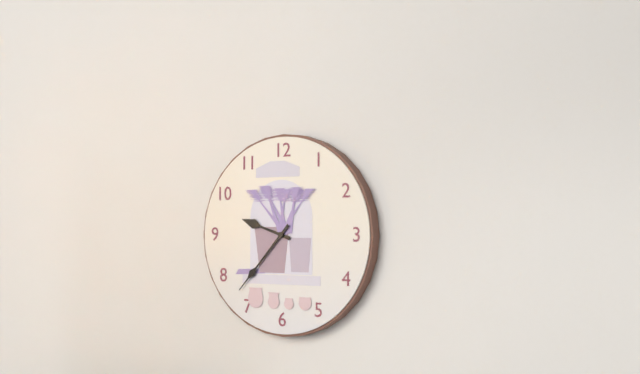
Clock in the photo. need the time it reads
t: 9:37
